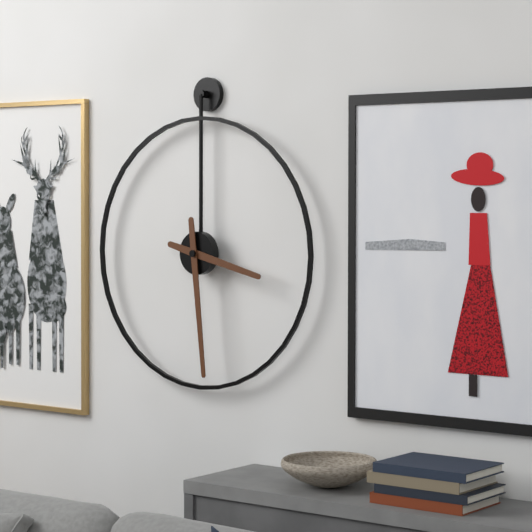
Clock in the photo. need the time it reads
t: 3:29
